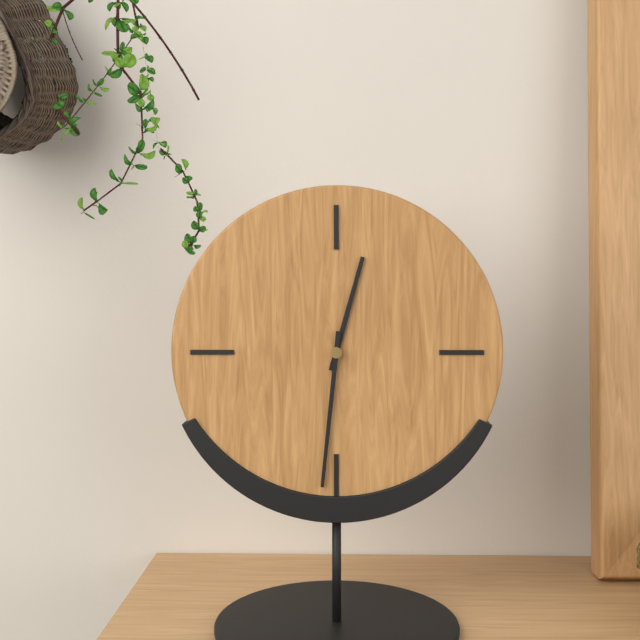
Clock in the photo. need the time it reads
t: 12:31
